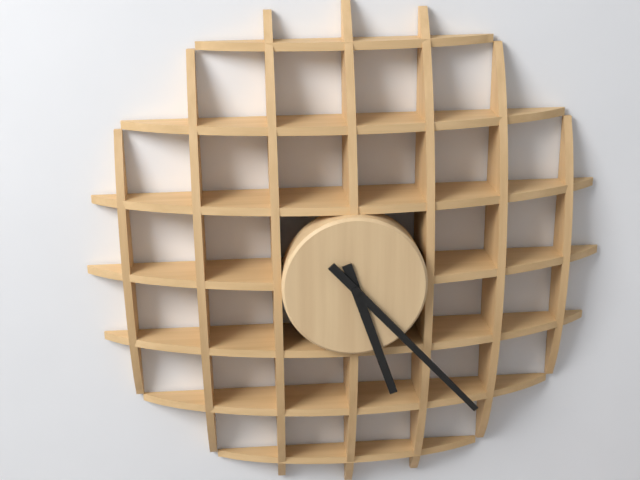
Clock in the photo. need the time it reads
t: 5:23
